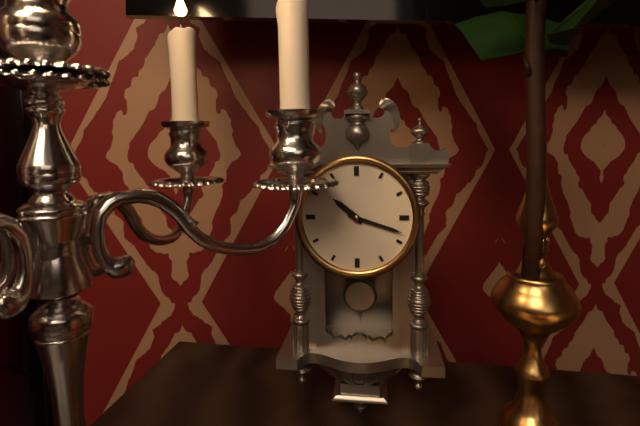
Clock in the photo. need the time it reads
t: 10:18
